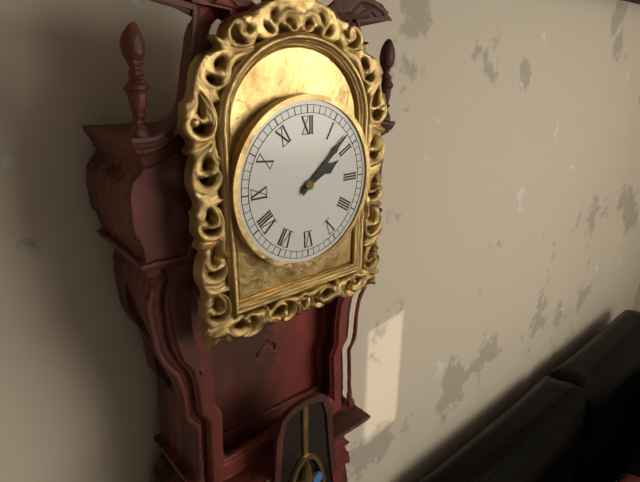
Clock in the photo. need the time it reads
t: 2:08
